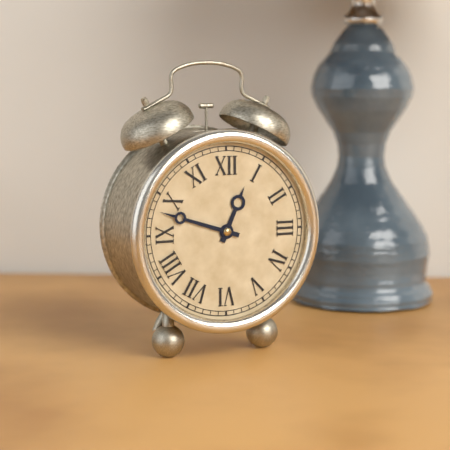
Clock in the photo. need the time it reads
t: 12:48
